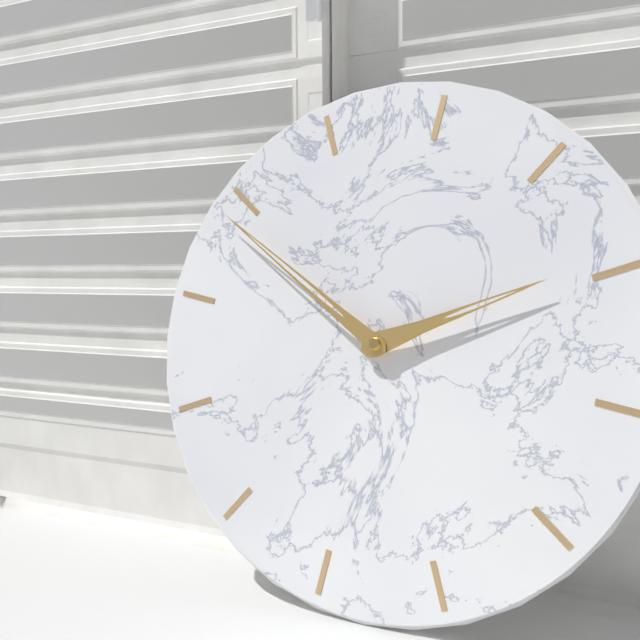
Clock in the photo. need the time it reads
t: 2:54
